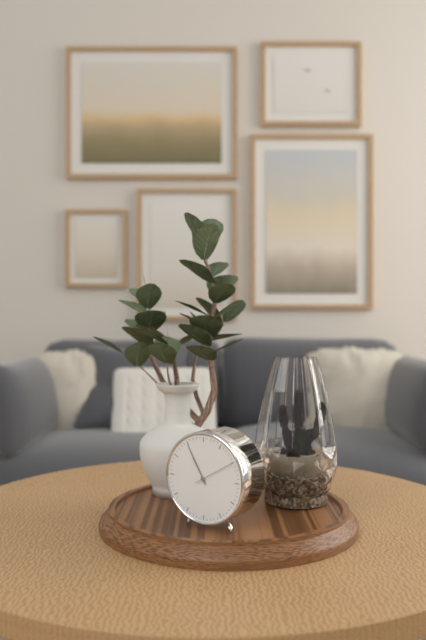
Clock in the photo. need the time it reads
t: 10:55
